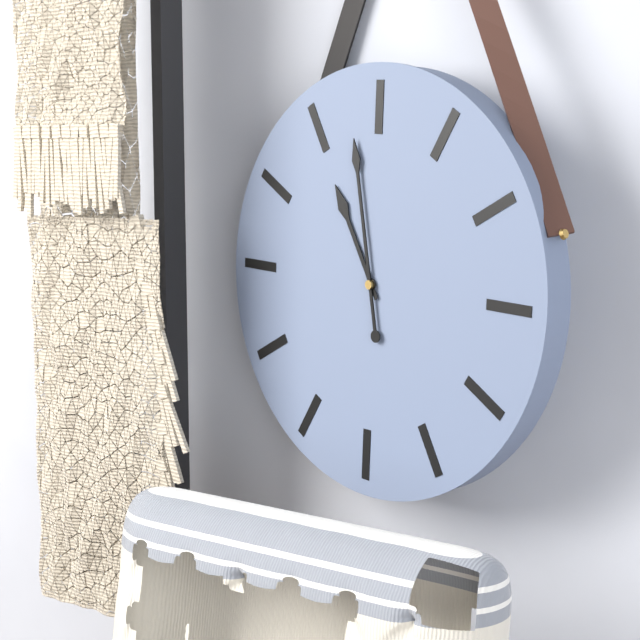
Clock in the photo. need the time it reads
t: 10:58
